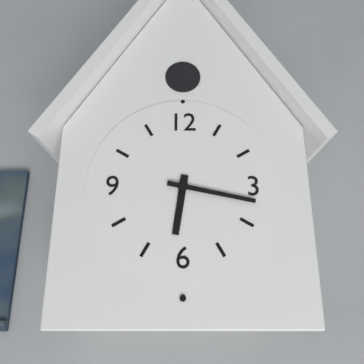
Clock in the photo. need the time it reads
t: 6:17
